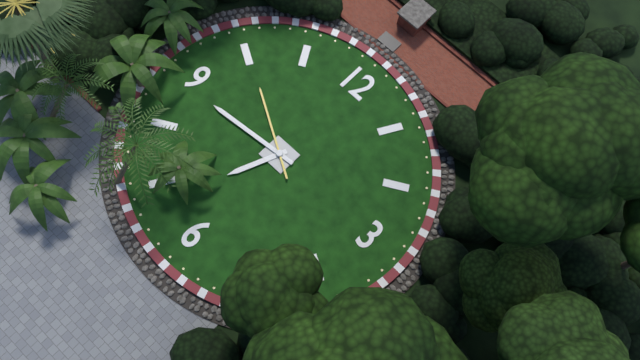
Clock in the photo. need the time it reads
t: 6:44:50
